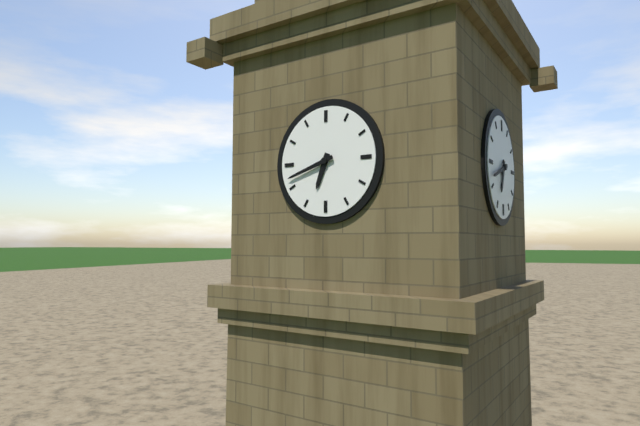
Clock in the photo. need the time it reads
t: 6:42
